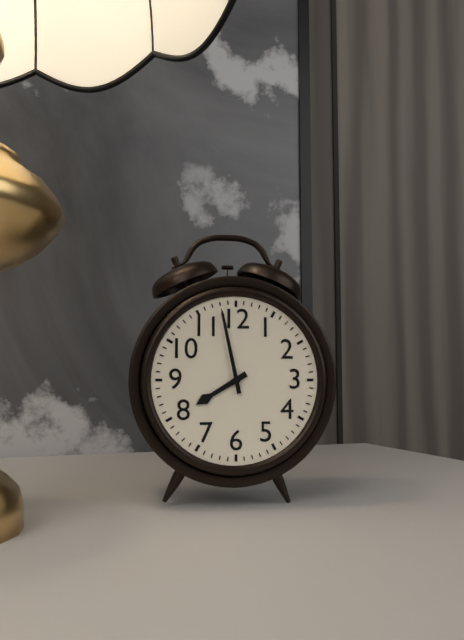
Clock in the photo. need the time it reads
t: 7:58
